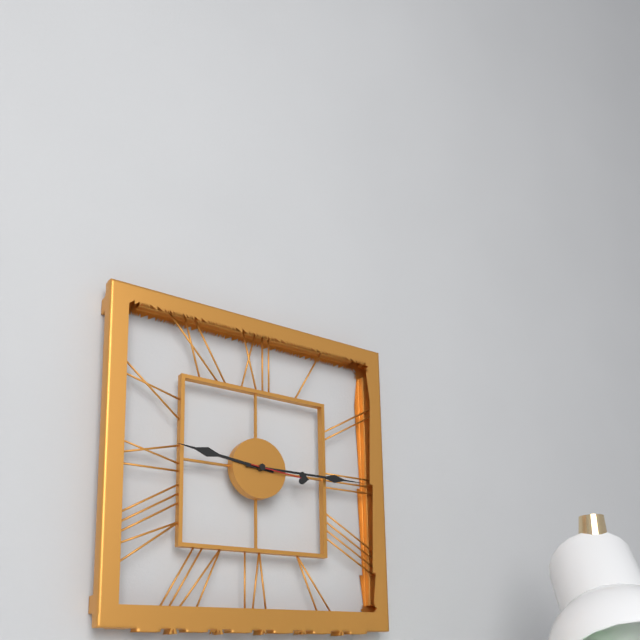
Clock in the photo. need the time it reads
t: 9:15:16
